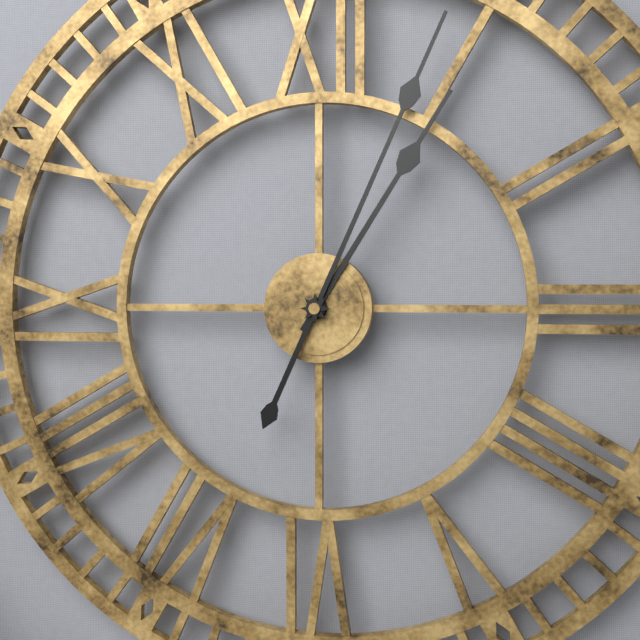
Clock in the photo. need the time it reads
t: 1:04
